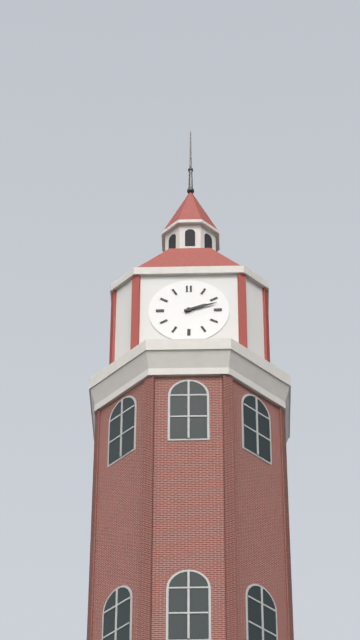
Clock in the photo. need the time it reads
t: 2:12
